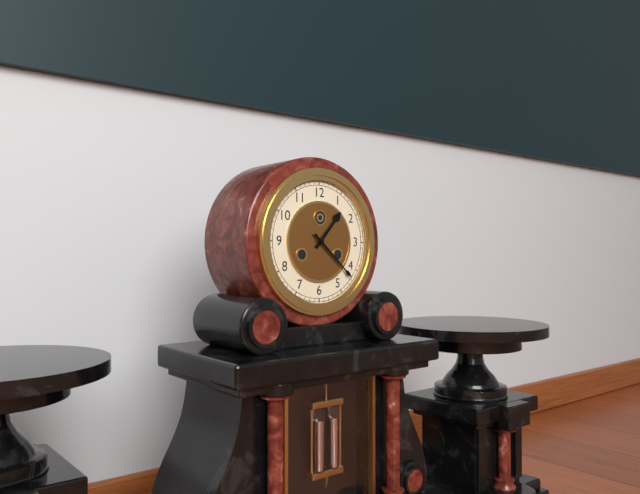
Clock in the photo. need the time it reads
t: 1:22
